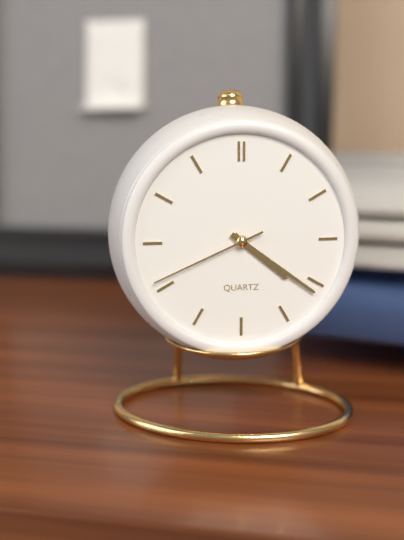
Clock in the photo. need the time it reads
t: 4:21:41
